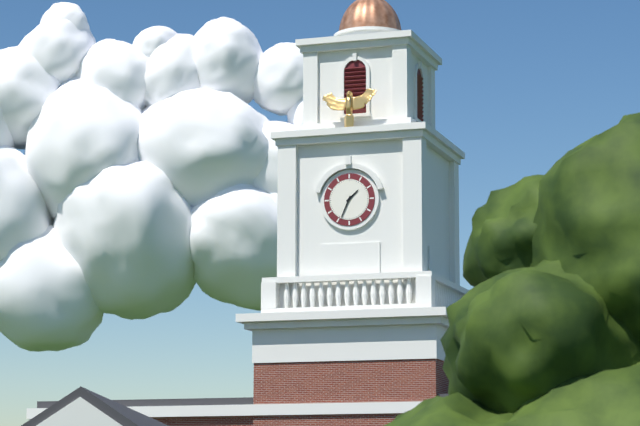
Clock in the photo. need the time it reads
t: 1:34
